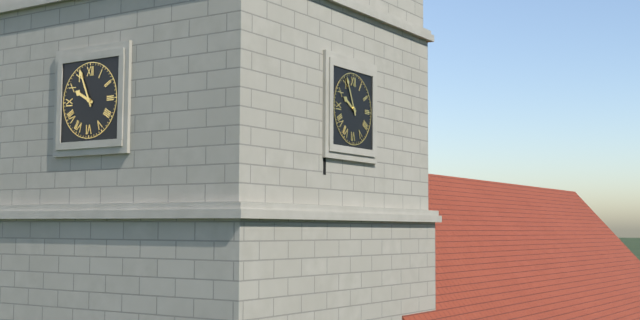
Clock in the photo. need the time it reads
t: 9:56
